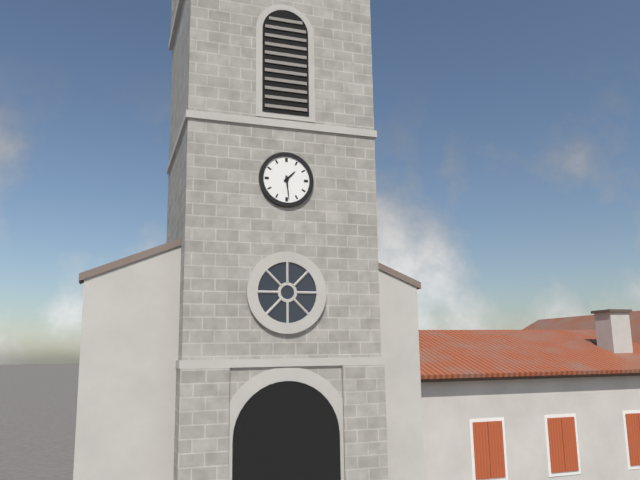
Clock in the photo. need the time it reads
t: 1:29
